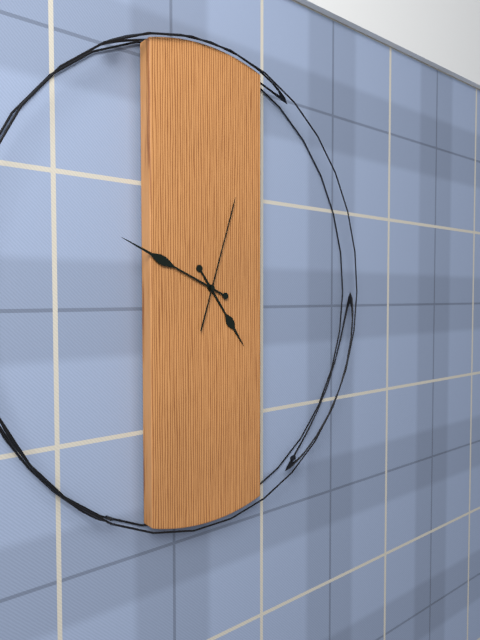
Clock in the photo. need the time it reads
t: 4:49:03
